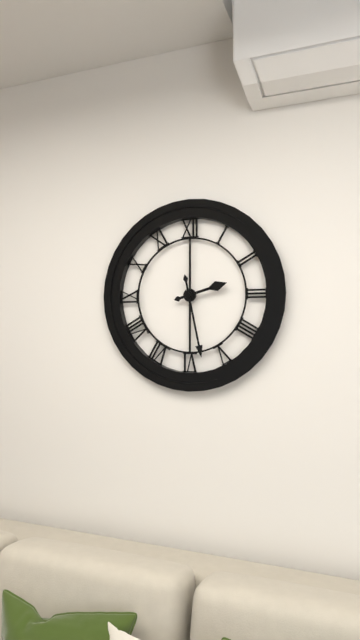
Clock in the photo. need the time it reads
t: 2:28
